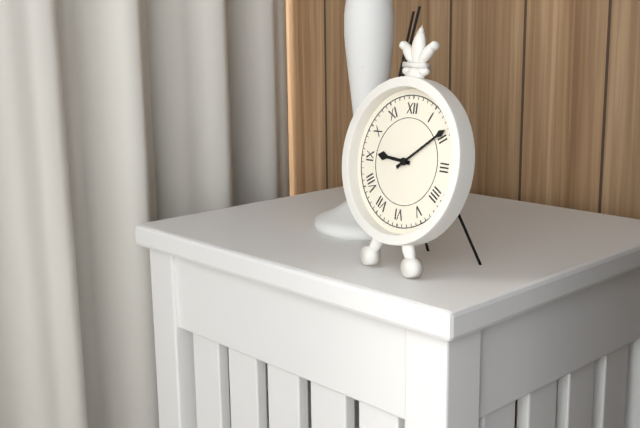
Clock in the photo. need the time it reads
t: 9:09
